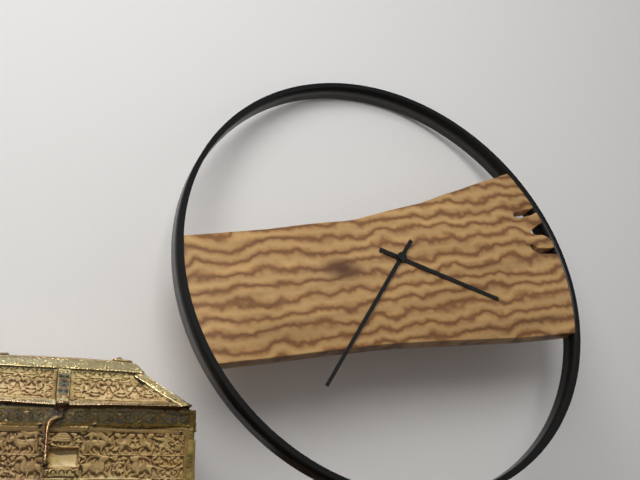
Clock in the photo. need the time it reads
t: 3:36
